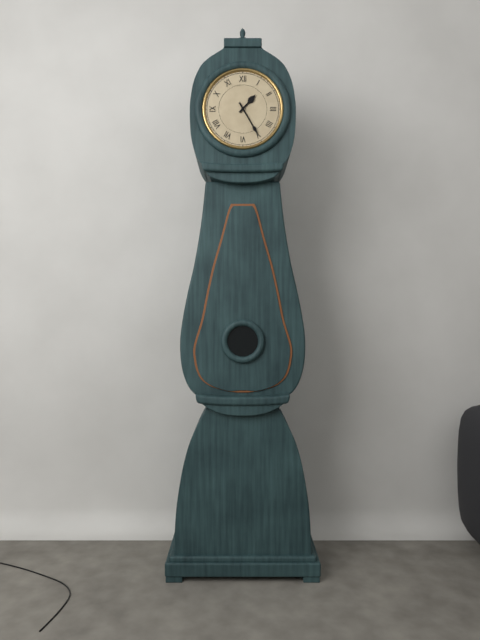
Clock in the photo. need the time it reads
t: 1:25
